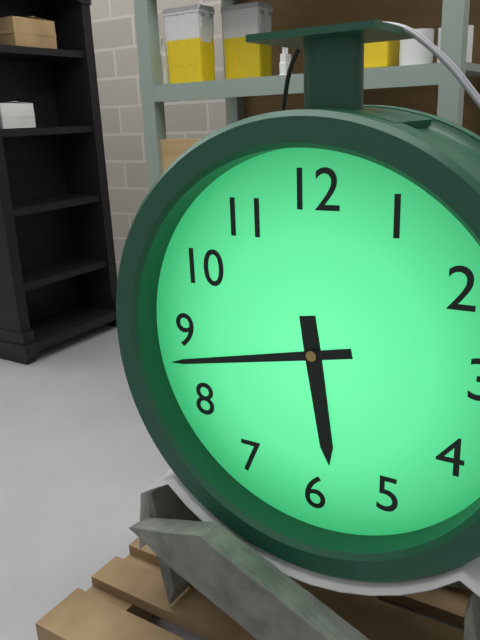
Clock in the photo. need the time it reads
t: 5:43
